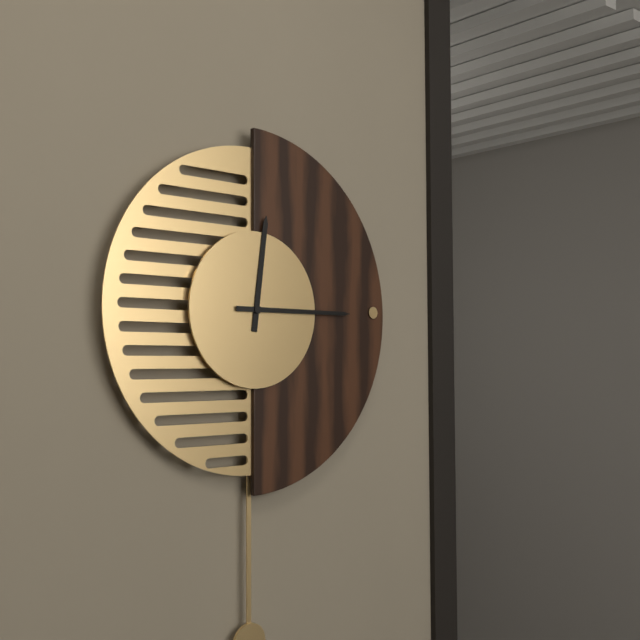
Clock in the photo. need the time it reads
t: 12:15
